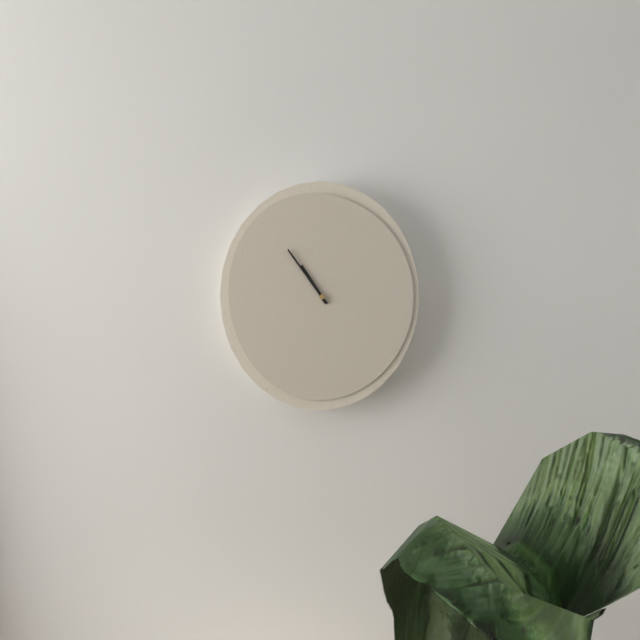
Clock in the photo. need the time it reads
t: 10:54
